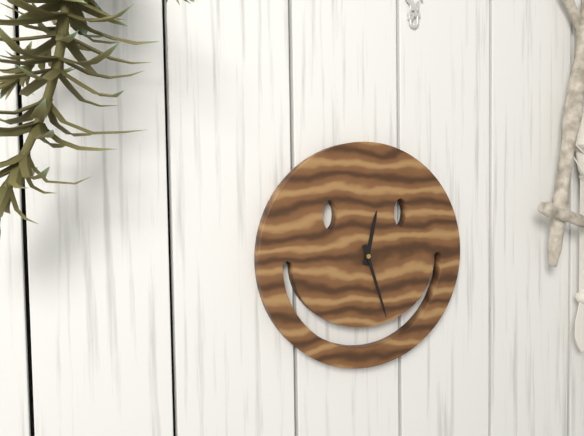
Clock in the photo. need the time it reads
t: 12:27
